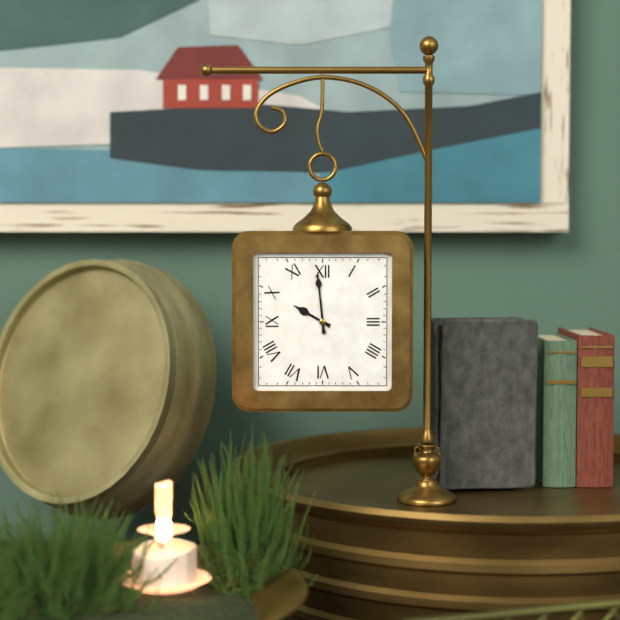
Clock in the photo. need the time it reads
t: 9:59
